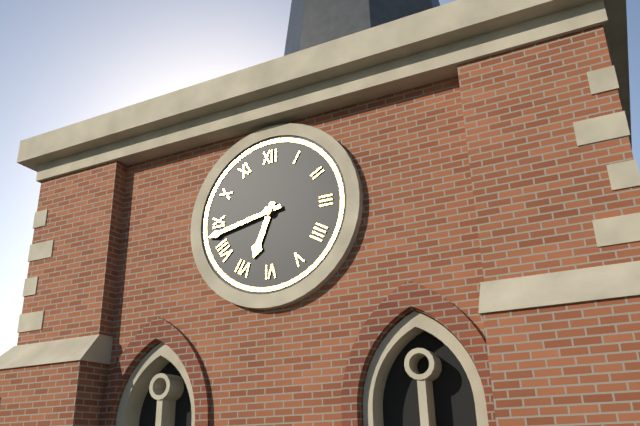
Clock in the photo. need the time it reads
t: 6:43
